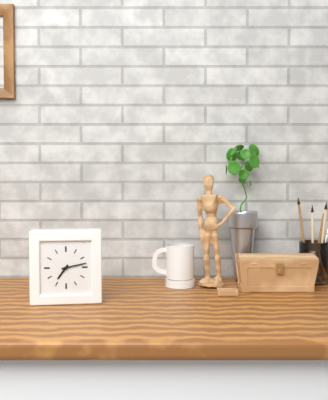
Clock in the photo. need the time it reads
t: 7:13
